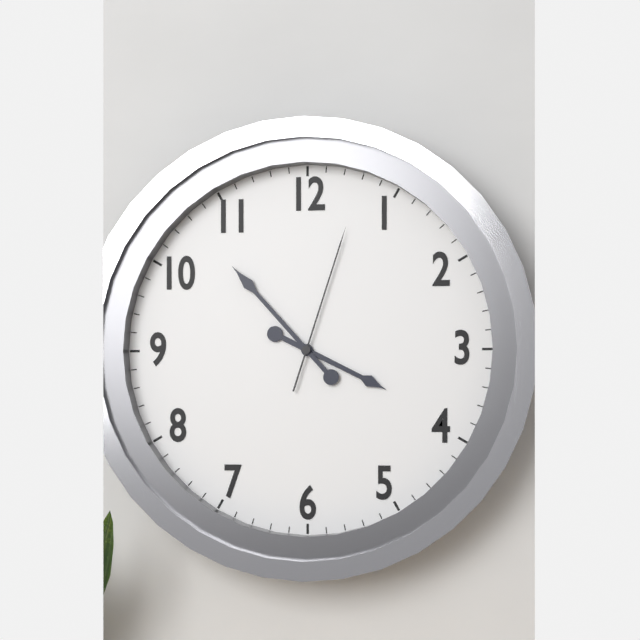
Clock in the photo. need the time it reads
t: 3:53:03
